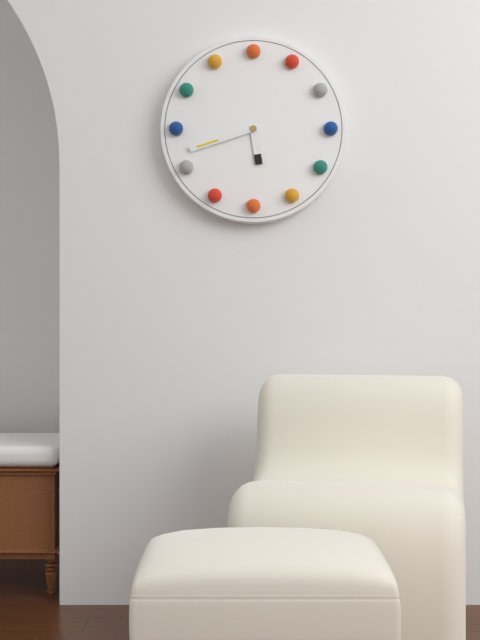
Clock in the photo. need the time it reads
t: 5:42
